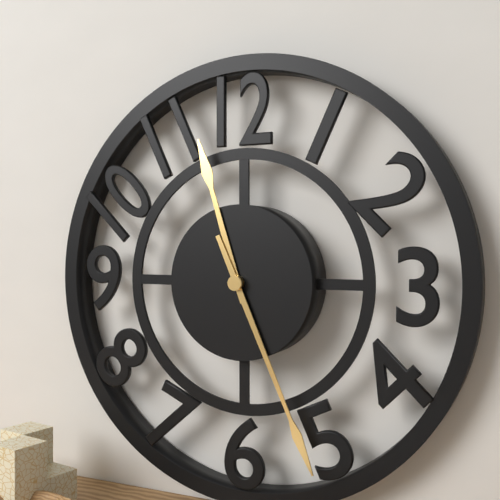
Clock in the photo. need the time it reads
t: 11:26
